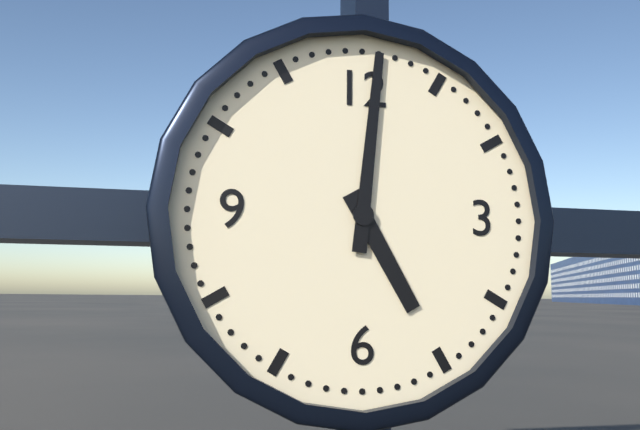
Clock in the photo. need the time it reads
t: 5:01
